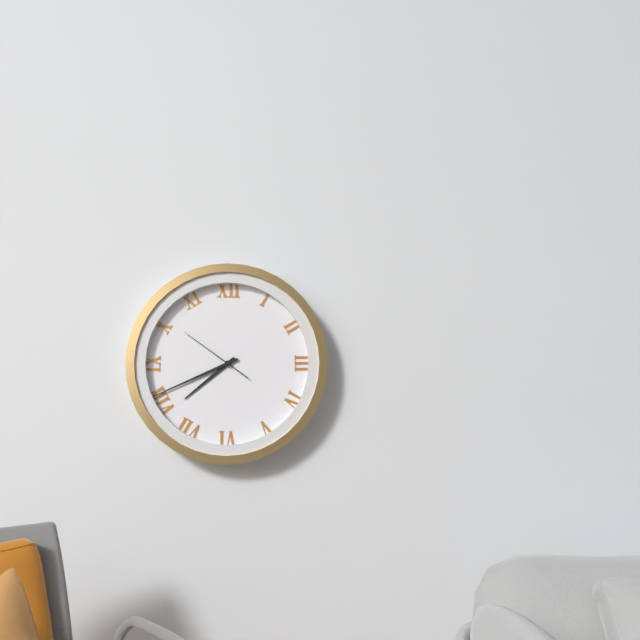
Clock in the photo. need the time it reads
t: 7:41:51
